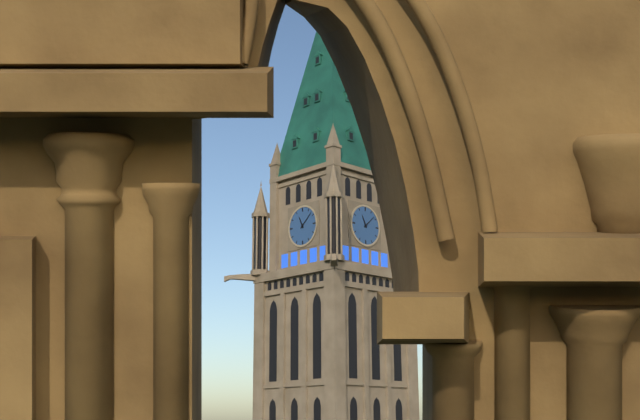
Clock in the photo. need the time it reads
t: 11:08
